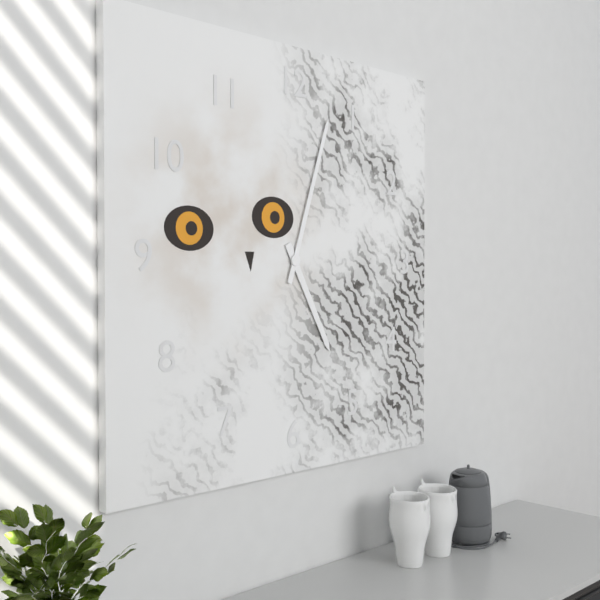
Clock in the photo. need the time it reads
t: 5:03
